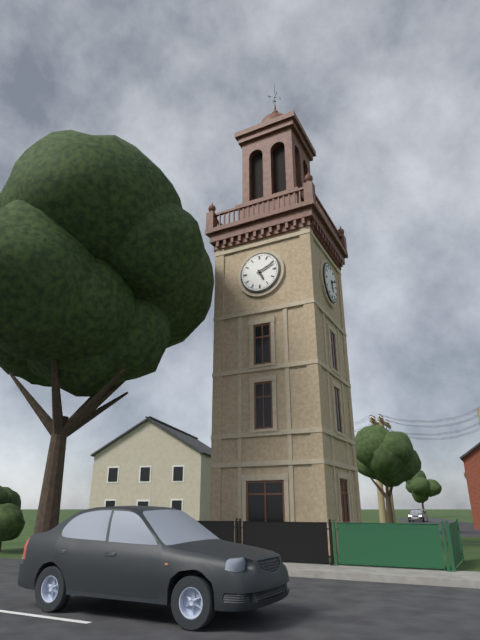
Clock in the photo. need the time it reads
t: 5:11
